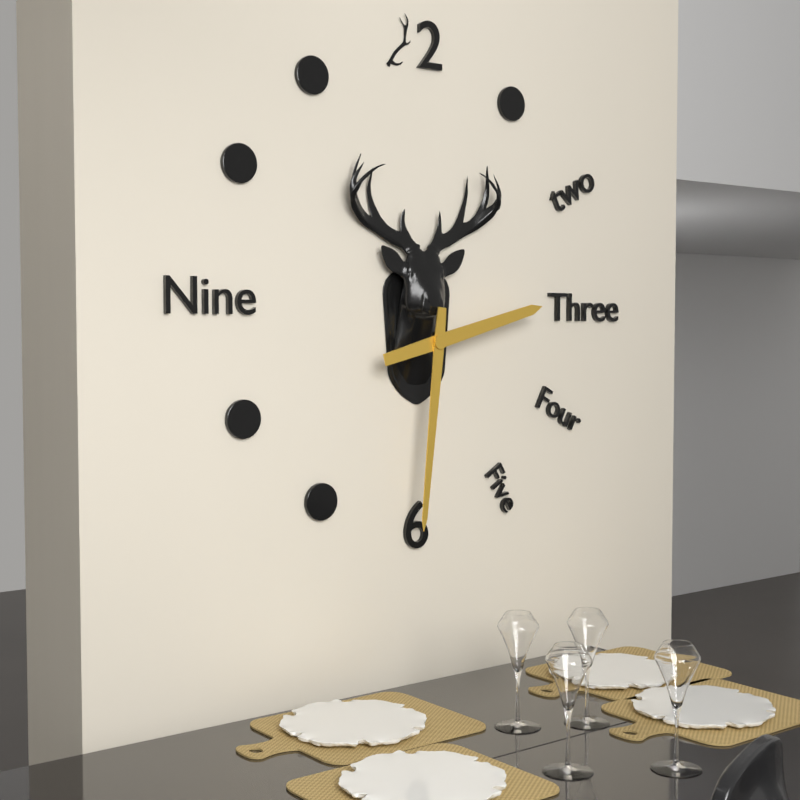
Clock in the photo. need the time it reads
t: 2:31
